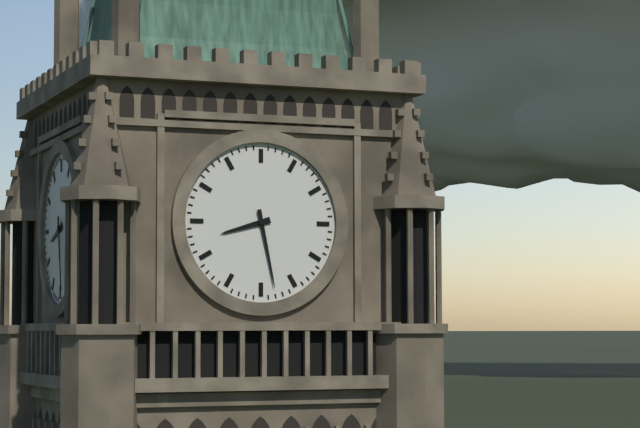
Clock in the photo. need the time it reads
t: 8:28
